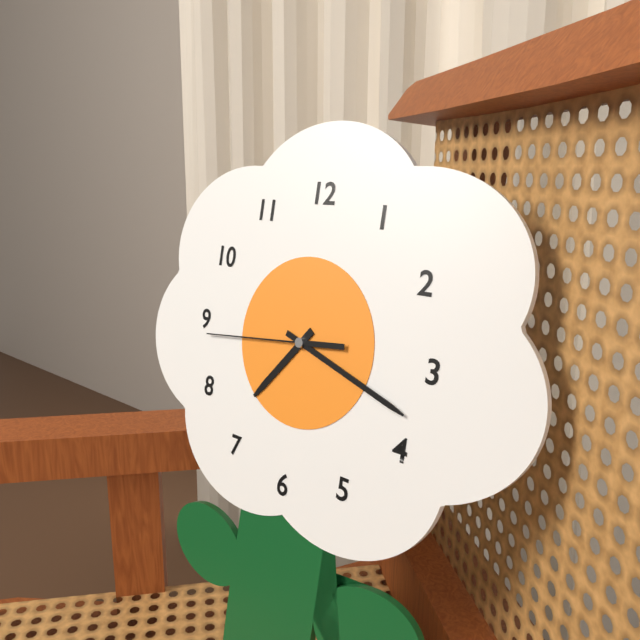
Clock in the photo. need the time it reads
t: 7:18:44
